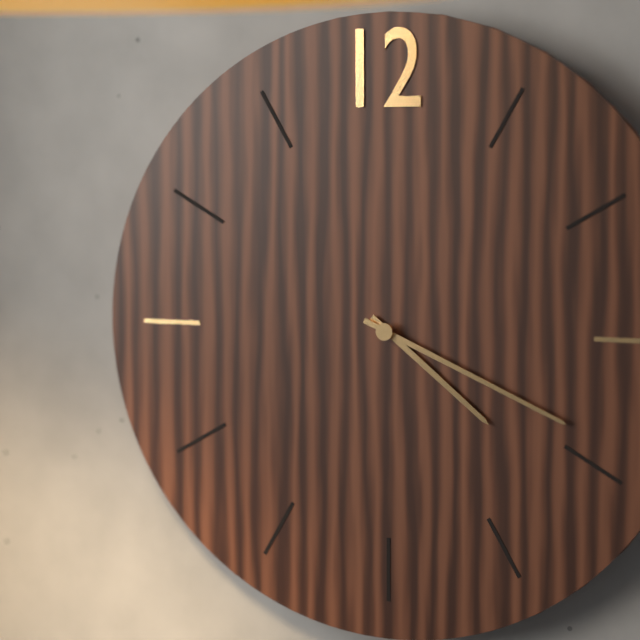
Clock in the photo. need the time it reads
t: 4:19
